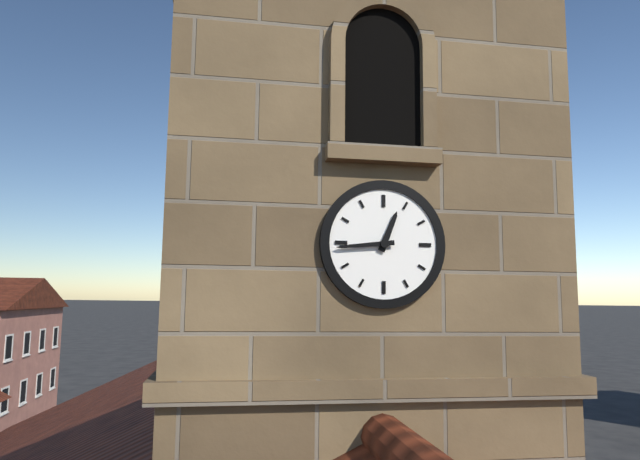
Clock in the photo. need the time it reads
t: 12:44
